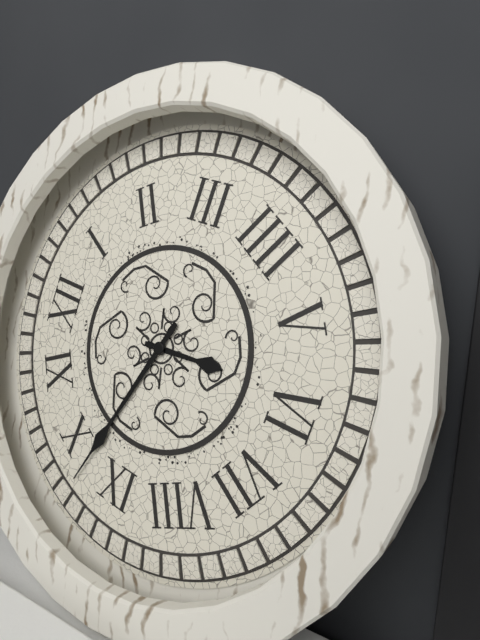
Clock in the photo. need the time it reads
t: 5:48
